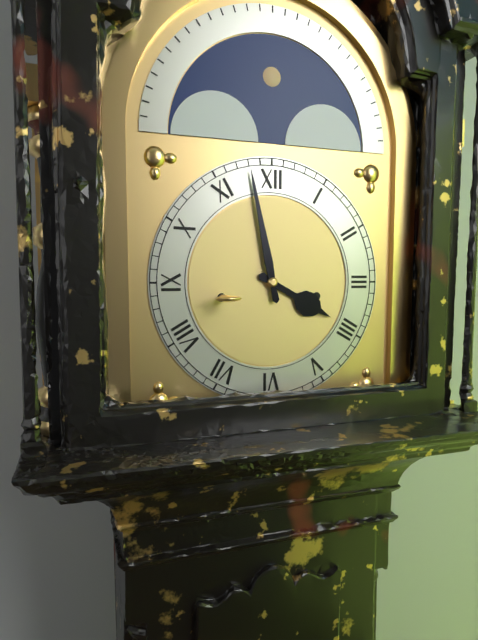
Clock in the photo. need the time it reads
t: 3:58
